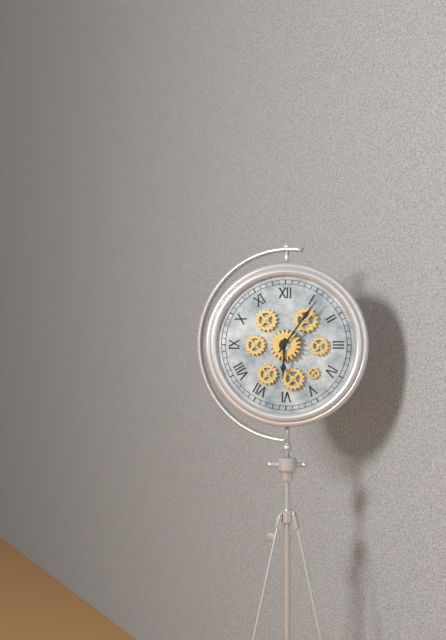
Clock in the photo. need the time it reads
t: 6:06
